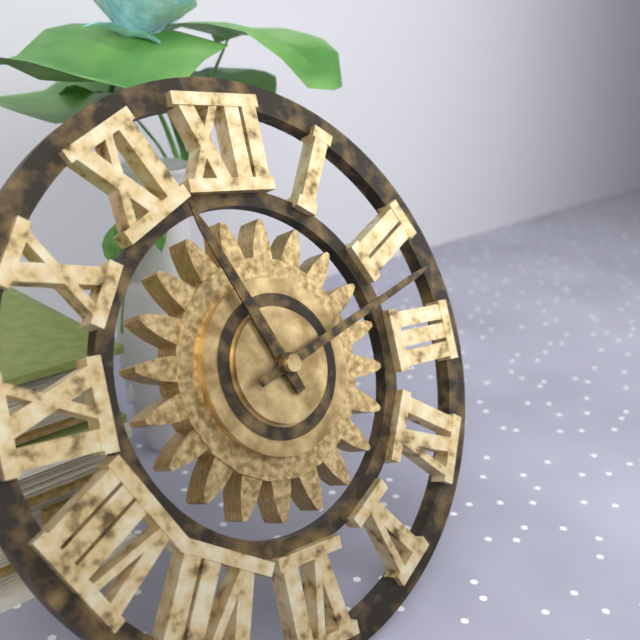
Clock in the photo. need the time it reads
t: 11:12
